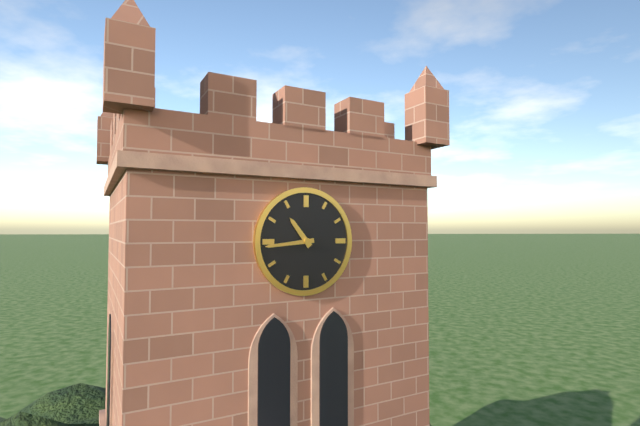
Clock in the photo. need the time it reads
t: 10:44
